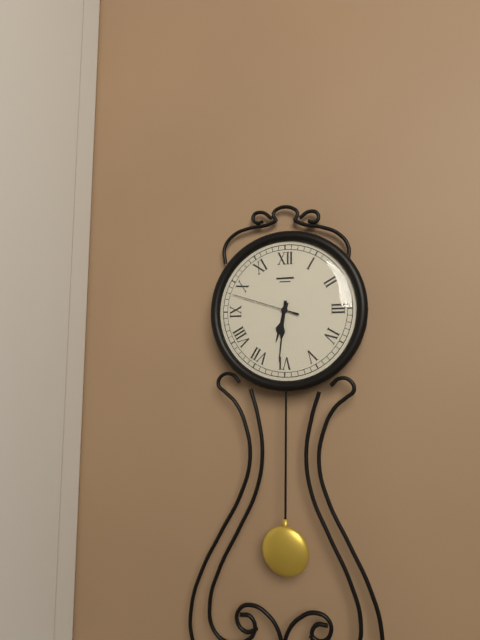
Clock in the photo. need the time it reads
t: 6:31:48
